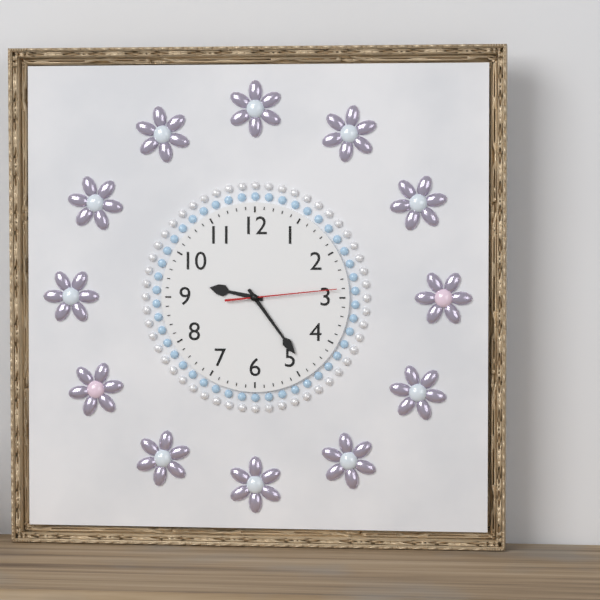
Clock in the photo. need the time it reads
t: 9:24:14
